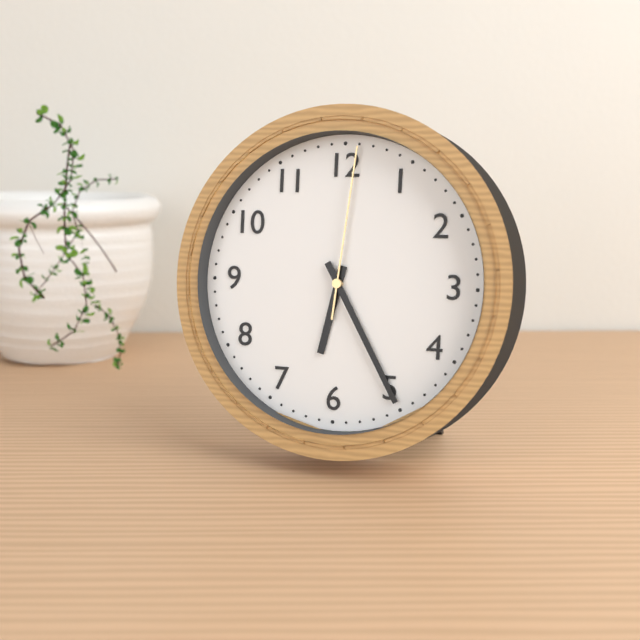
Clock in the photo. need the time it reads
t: 6:25:01
